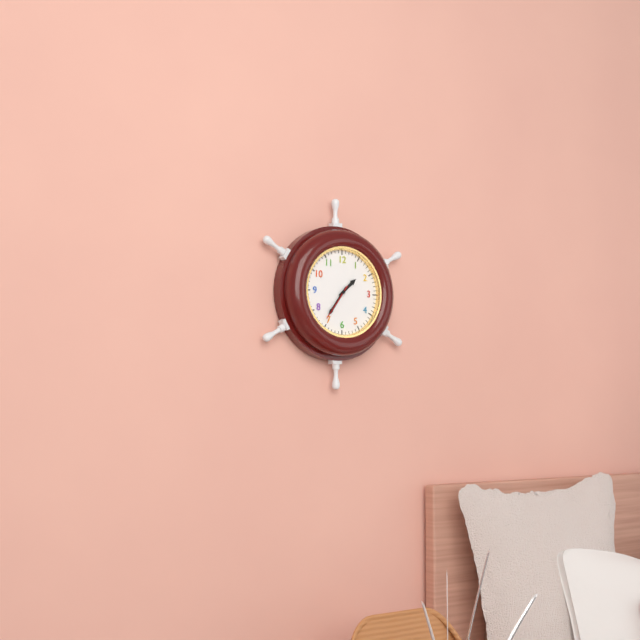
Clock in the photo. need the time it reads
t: 1:36
